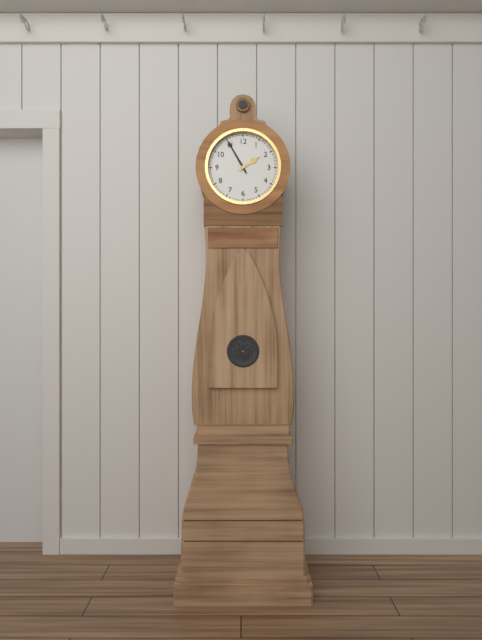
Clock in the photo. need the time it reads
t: 1:55
